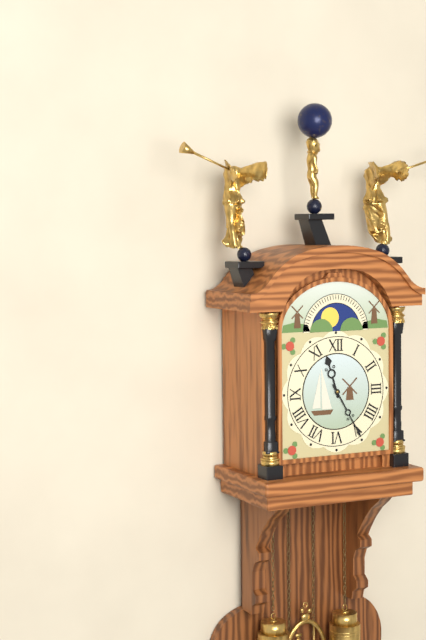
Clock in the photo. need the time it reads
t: 11:25
